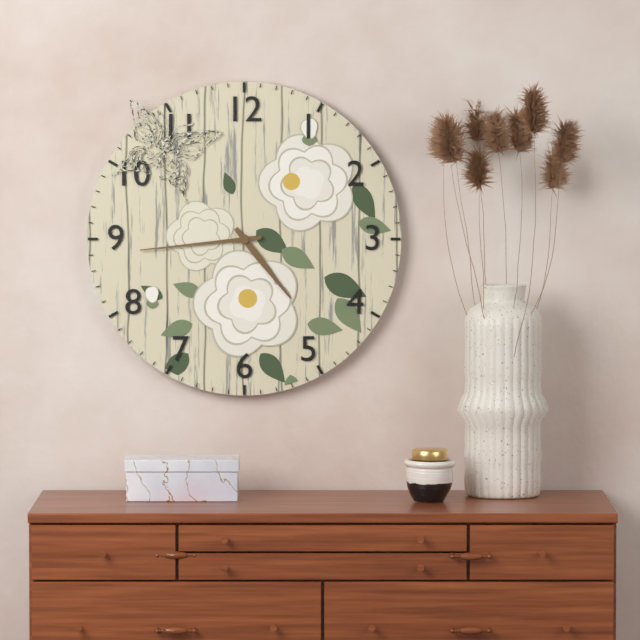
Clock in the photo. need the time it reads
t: 4:44
